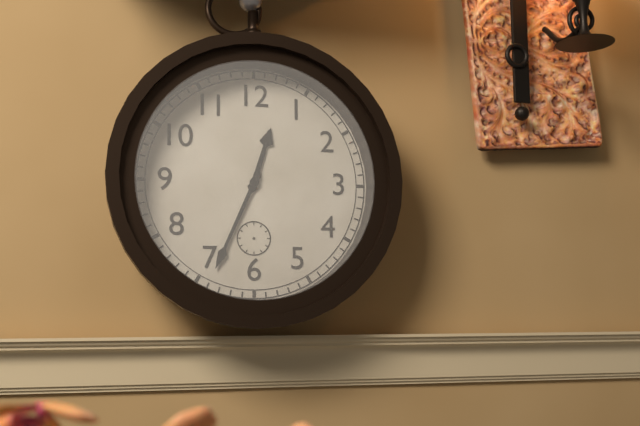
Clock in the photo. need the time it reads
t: 12:34
